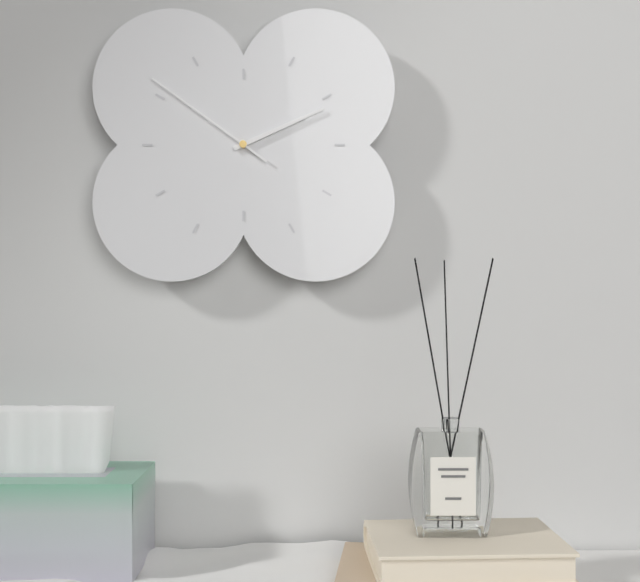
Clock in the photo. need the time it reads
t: 2:11:51
